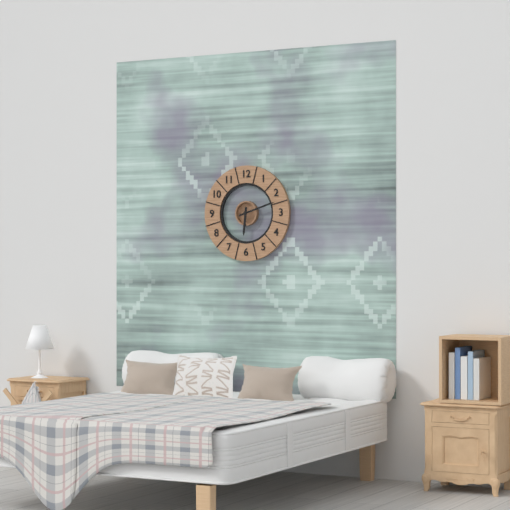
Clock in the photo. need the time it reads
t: 6:12
